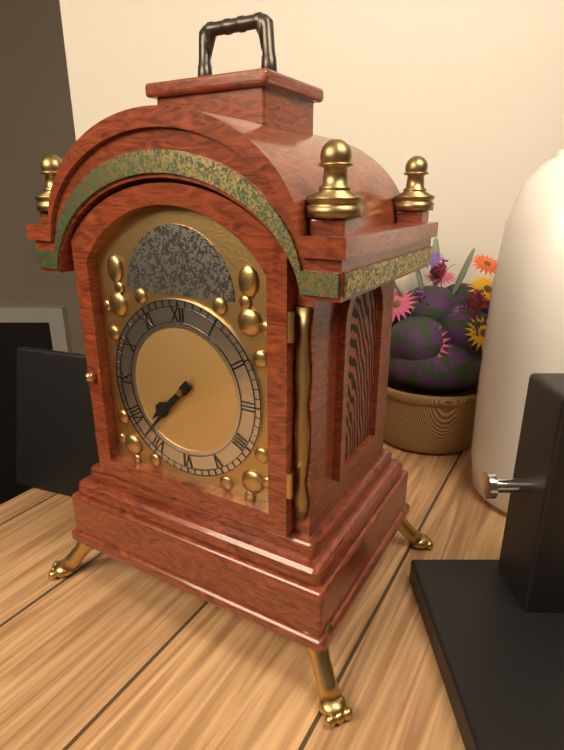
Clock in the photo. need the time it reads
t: 7:37
